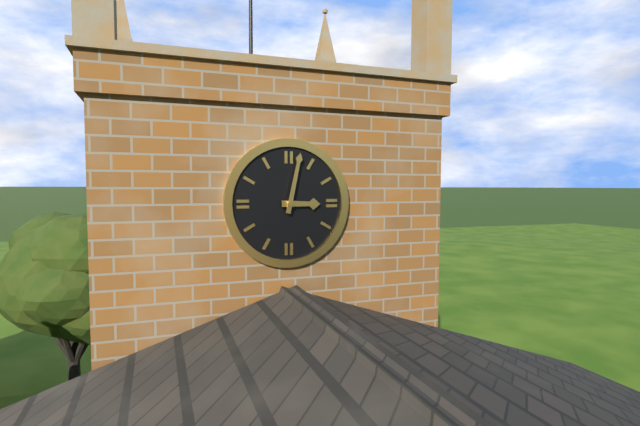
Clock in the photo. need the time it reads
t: 3:02
